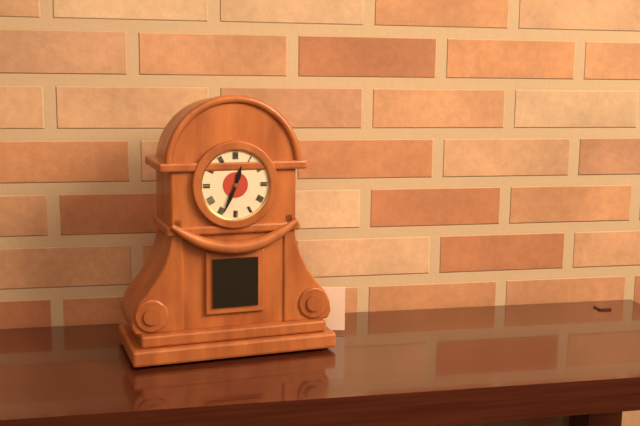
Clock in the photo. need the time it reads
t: 12:34
